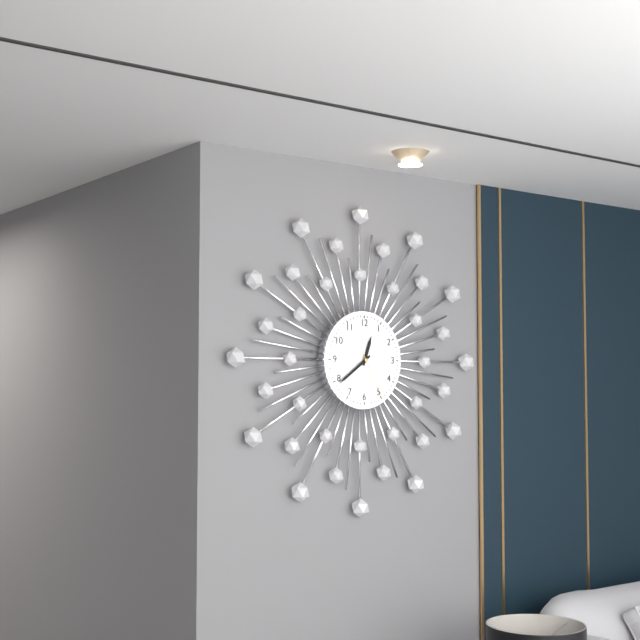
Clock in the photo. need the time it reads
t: 12:39:25
